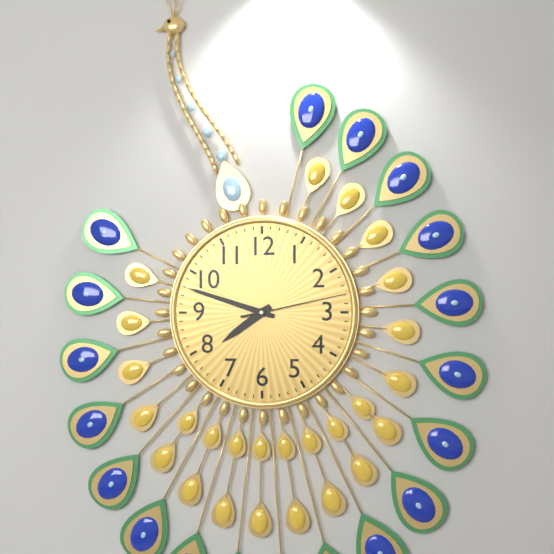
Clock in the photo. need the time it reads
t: 7:48:13
